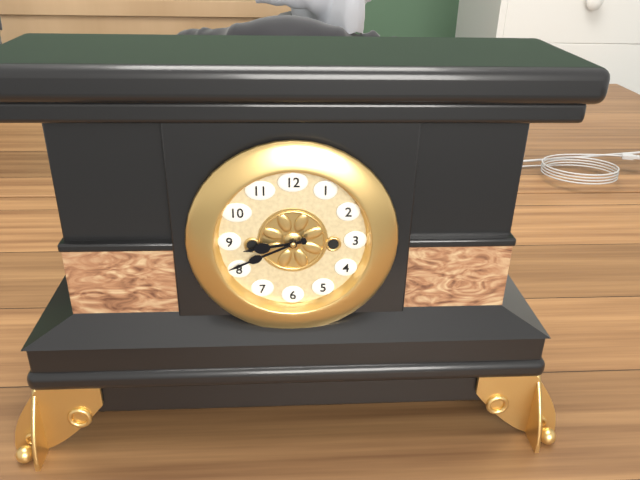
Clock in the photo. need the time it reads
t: 8:41
